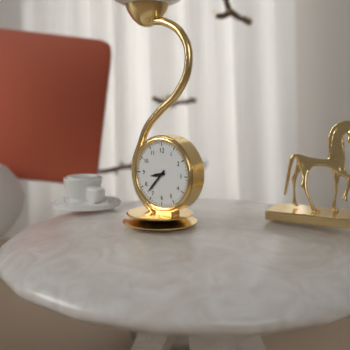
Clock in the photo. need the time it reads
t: 8:37
